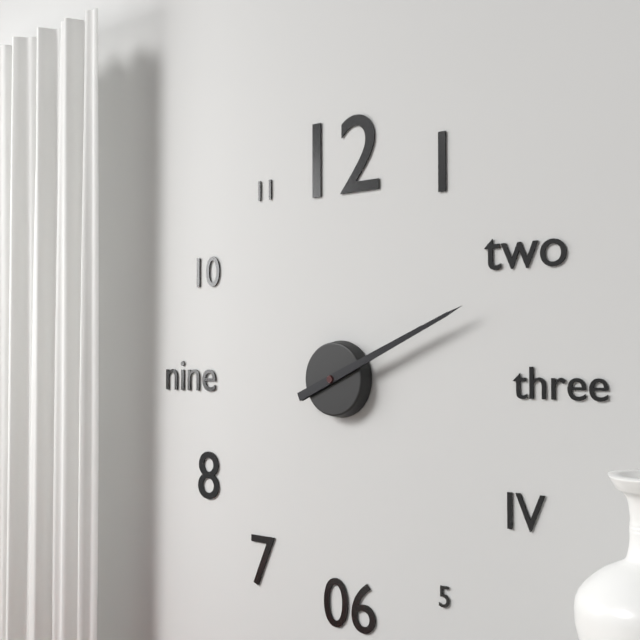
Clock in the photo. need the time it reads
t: 2:11
